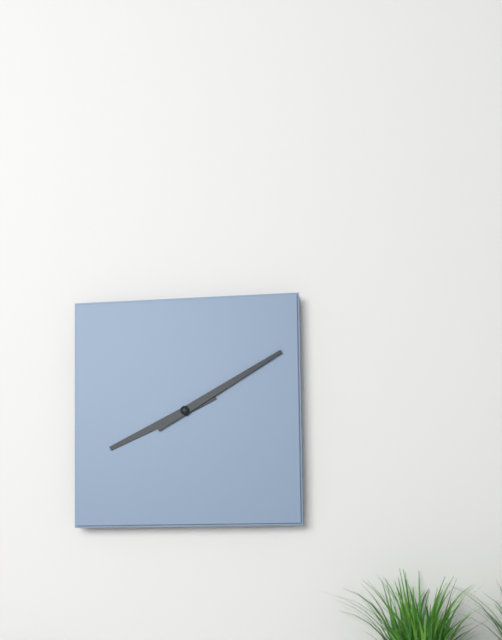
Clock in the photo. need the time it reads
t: 8:10
